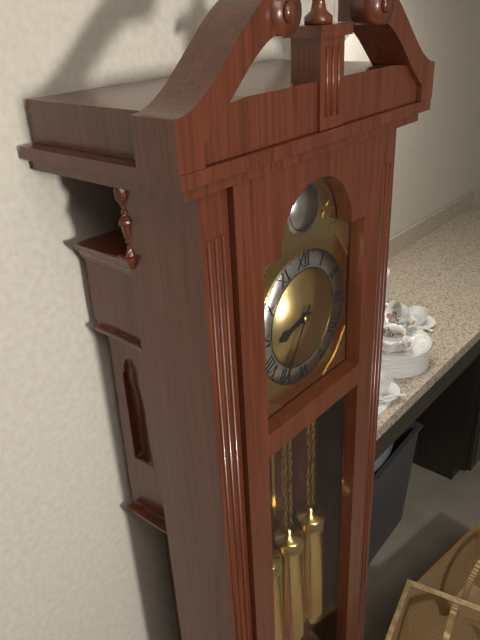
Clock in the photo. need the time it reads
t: 8:35
